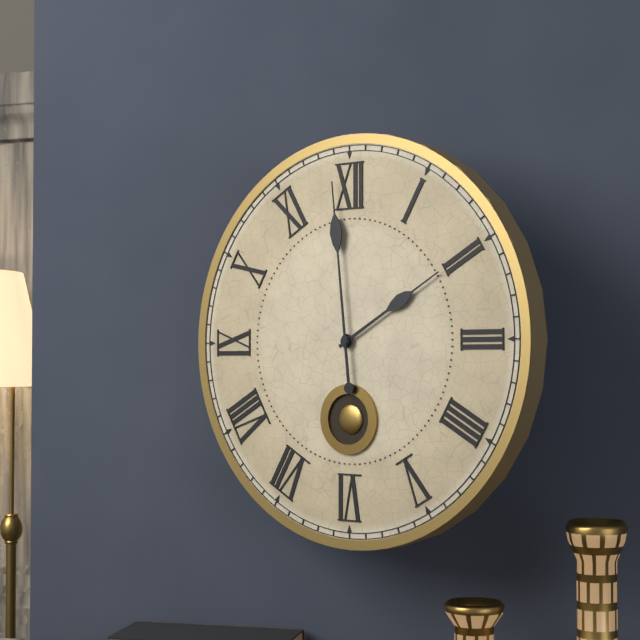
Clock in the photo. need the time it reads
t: 1:59
